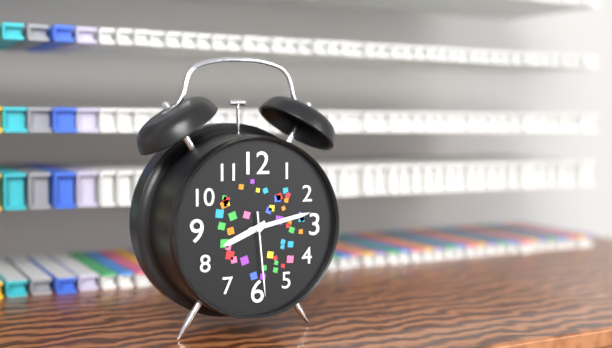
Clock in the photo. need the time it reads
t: 8:13:29
